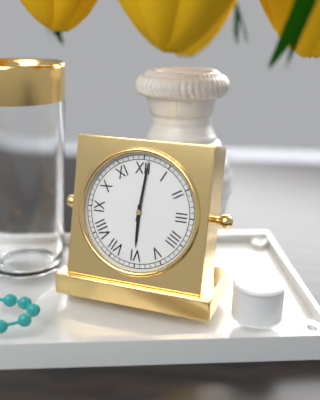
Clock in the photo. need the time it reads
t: 6:01
